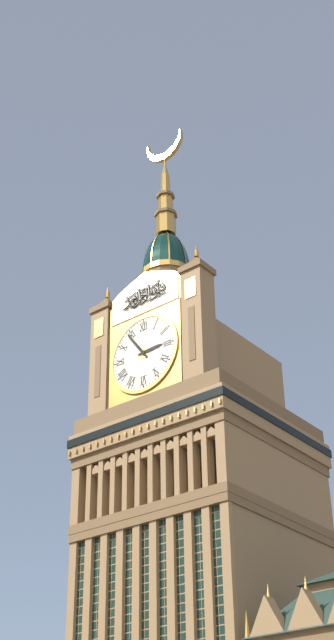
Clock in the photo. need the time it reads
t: 2:54
